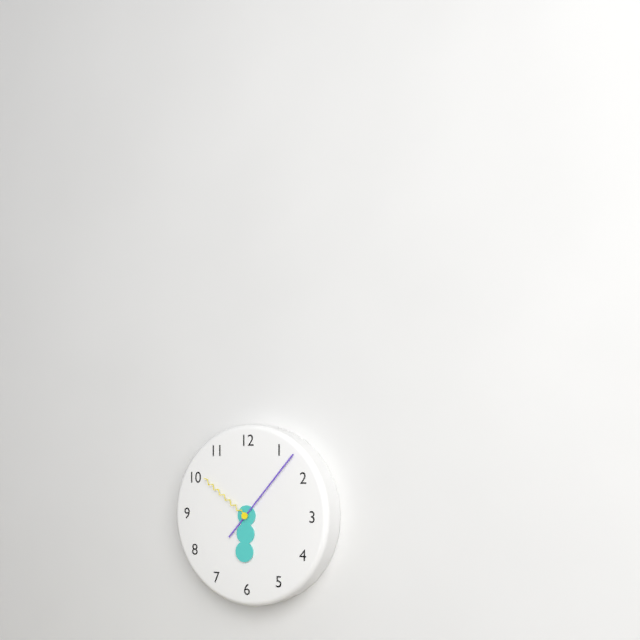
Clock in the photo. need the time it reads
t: 6:07:51
